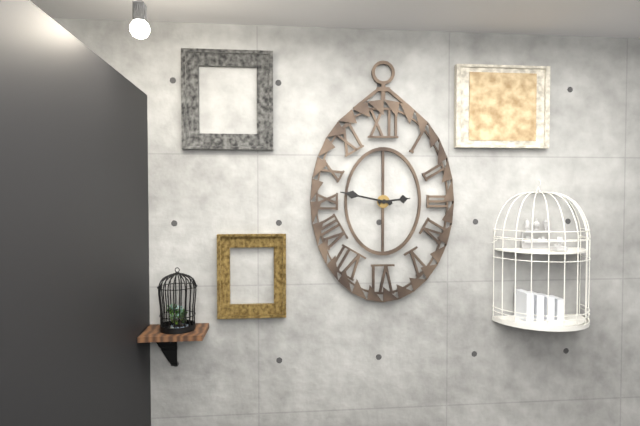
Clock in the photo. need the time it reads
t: 2:47
